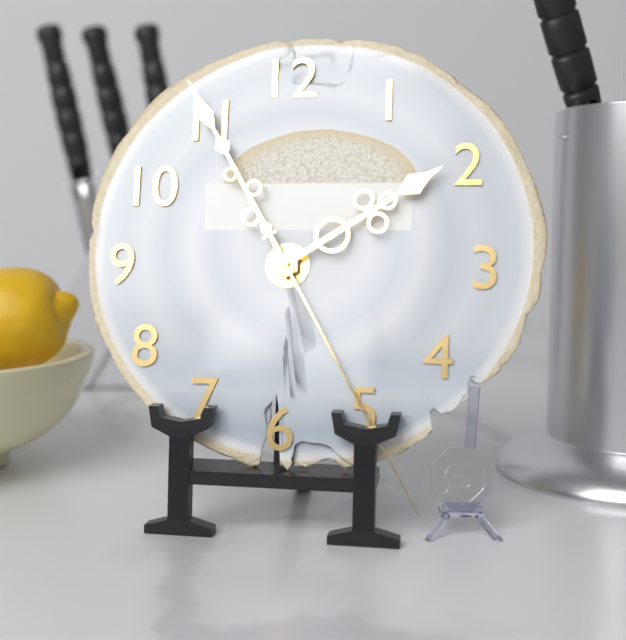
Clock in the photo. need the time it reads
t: 1:55:25
